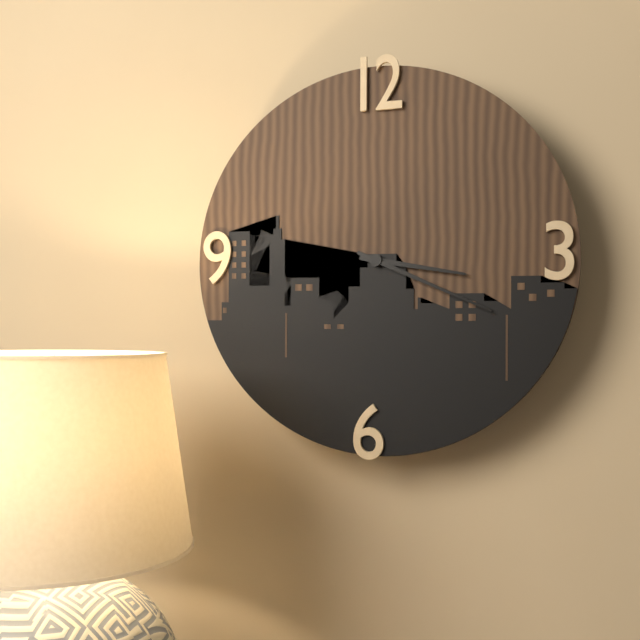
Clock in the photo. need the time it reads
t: 3:19
